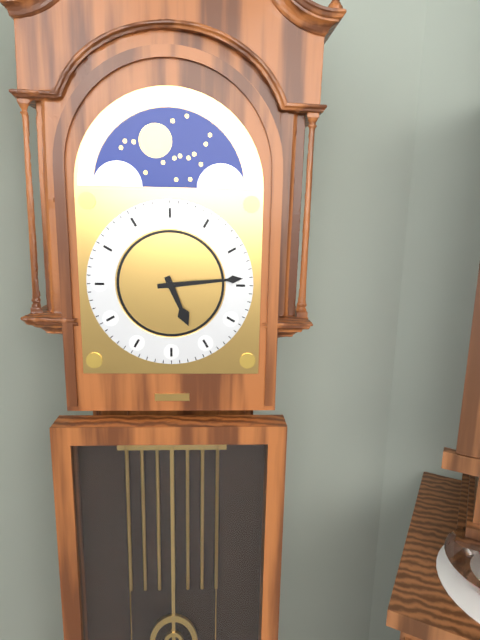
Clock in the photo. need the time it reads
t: 5:14
